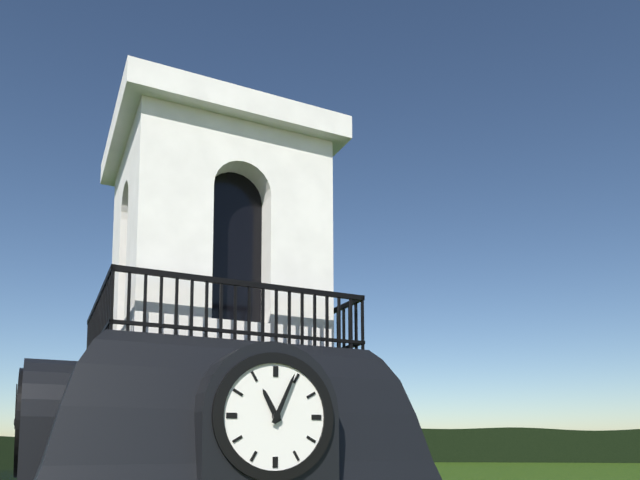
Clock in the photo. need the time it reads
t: 11:04
